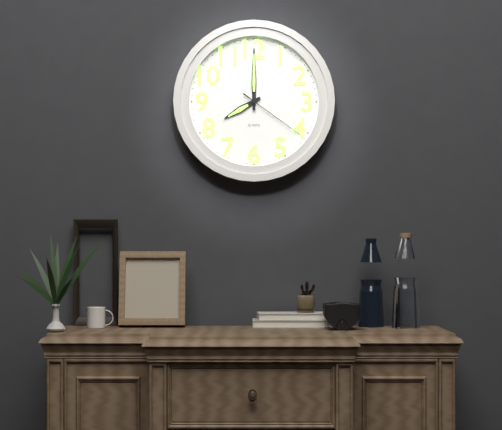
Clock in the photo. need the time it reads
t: 8:00:21
